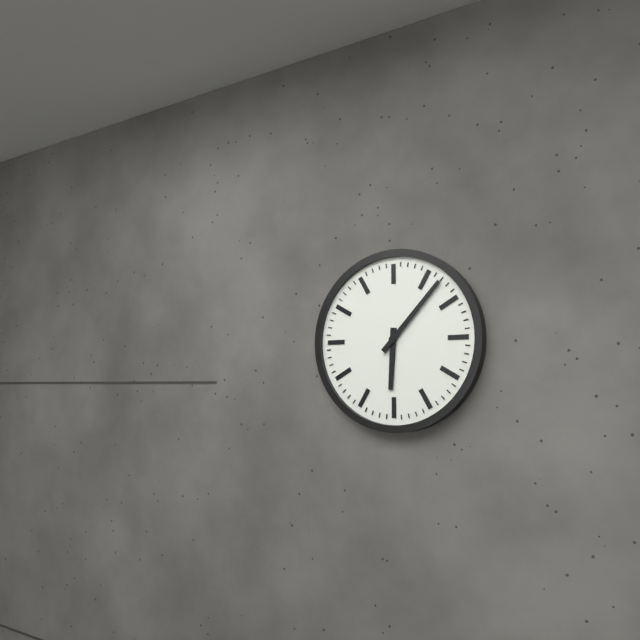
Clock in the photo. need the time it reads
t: 6:07
